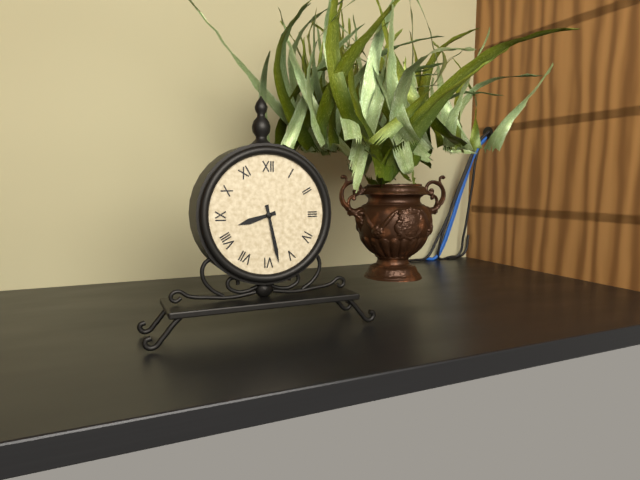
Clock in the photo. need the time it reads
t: 8:28
